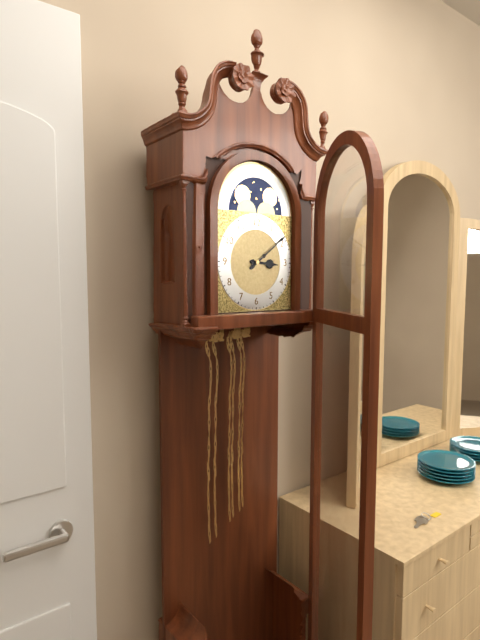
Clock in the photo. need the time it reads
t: 3:09
